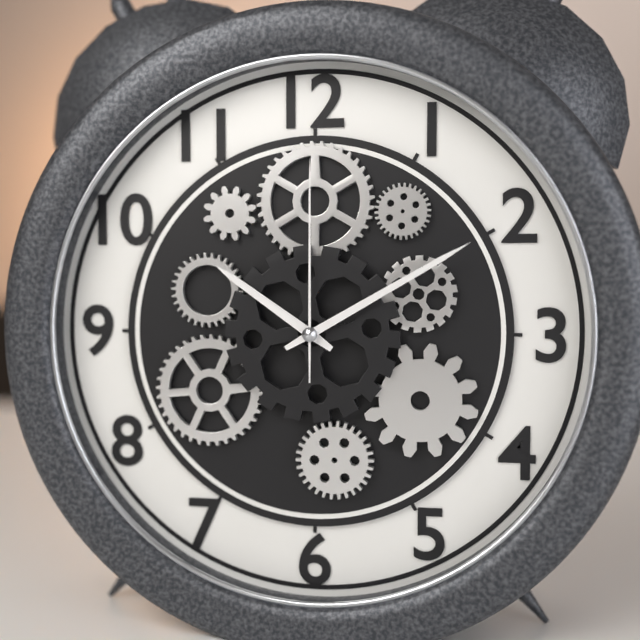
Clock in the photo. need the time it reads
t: 10:10:00
